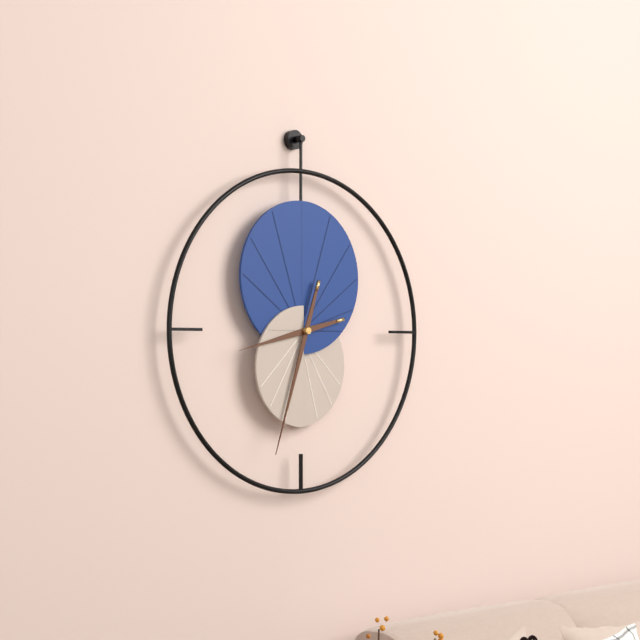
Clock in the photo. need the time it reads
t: 8:33
